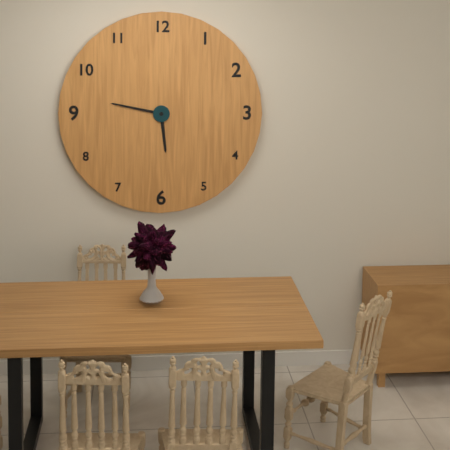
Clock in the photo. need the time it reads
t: 5:47
